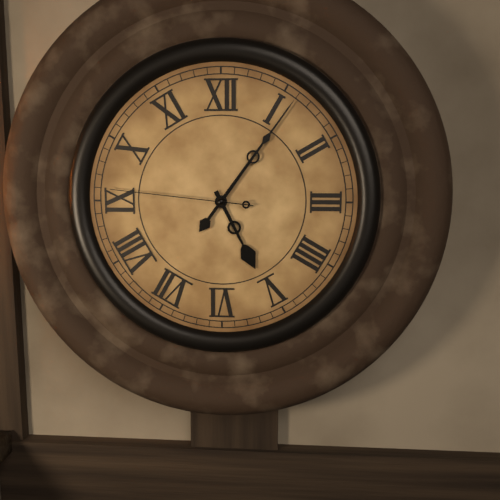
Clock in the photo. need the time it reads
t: 5:06:46
